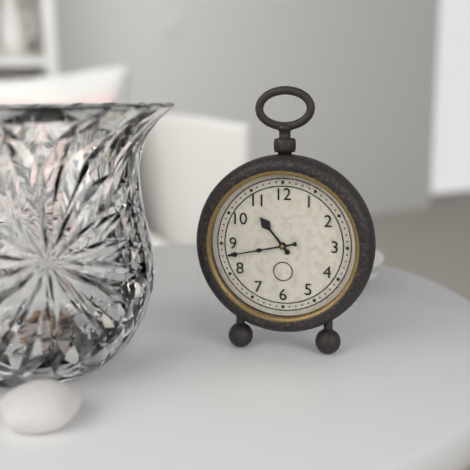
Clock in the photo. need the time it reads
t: 10:43
